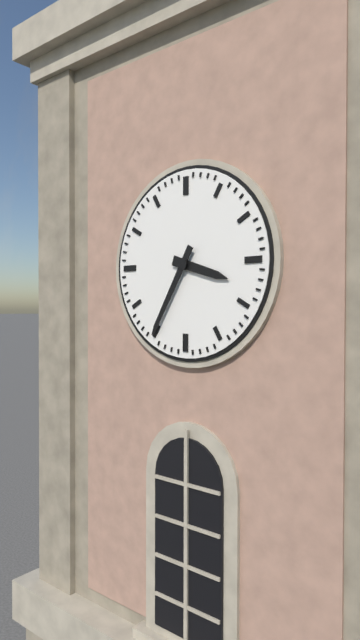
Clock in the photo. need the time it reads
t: 3:35
